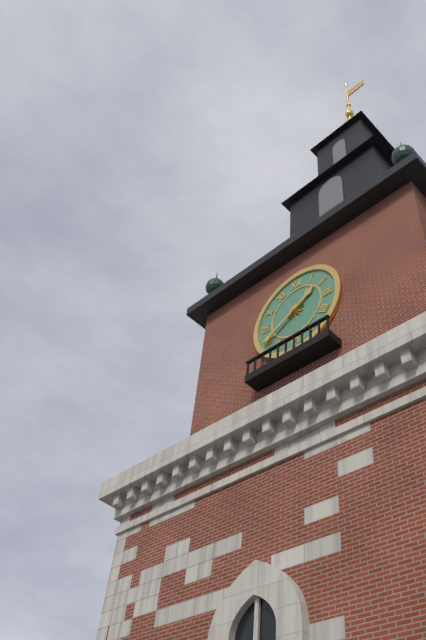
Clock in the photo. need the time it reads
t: 1:40
